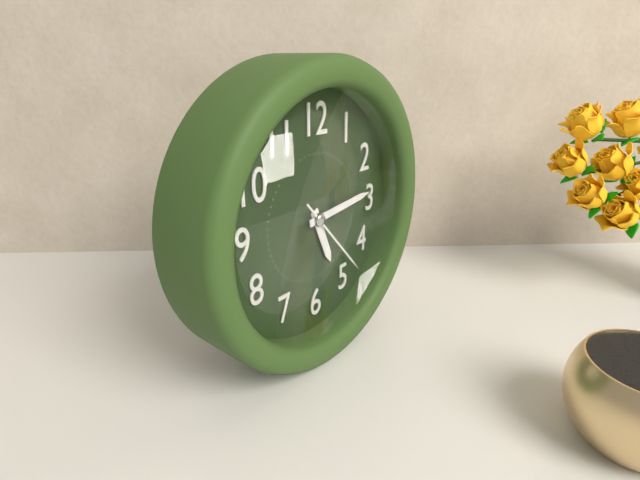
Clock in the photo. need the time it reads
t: 5:14:23
